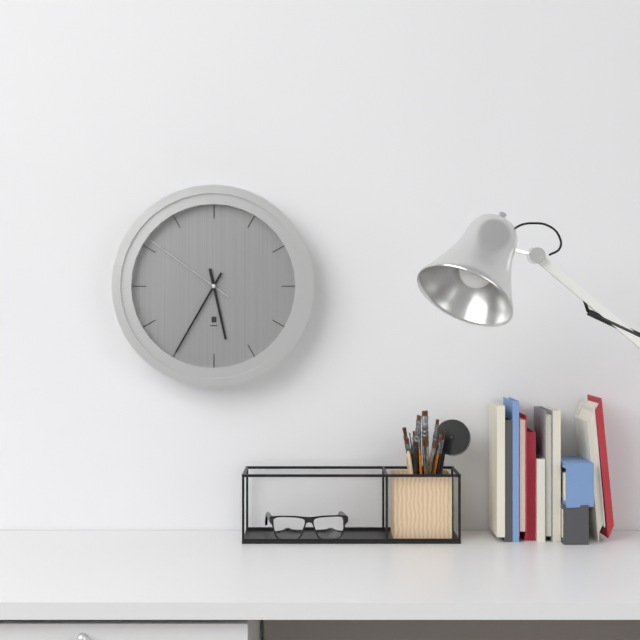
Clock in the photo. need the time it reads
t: 5:35:51
